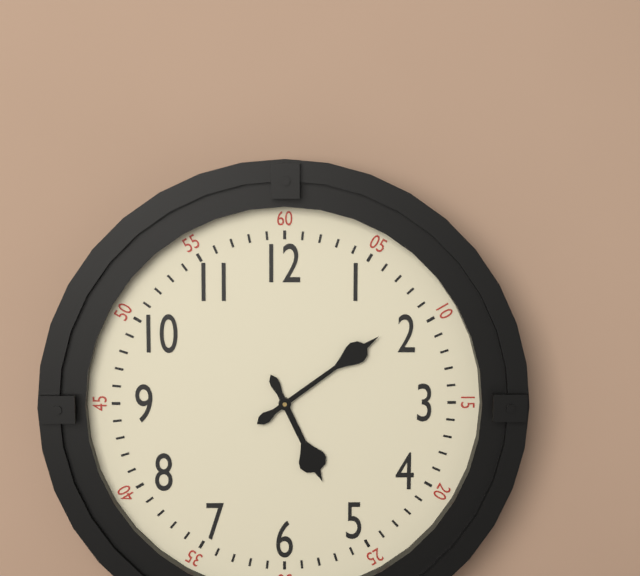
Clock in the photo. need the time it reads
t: 5:09
